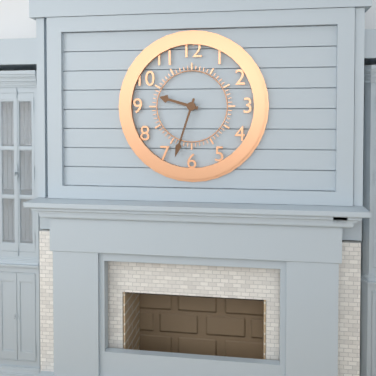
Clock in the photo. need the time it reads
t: 9:33
